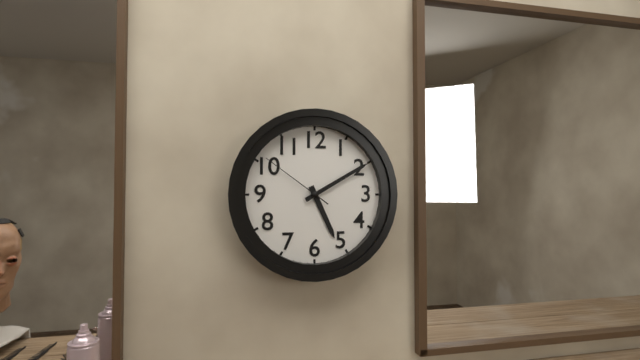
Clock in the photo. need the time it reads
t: 5:10:51
